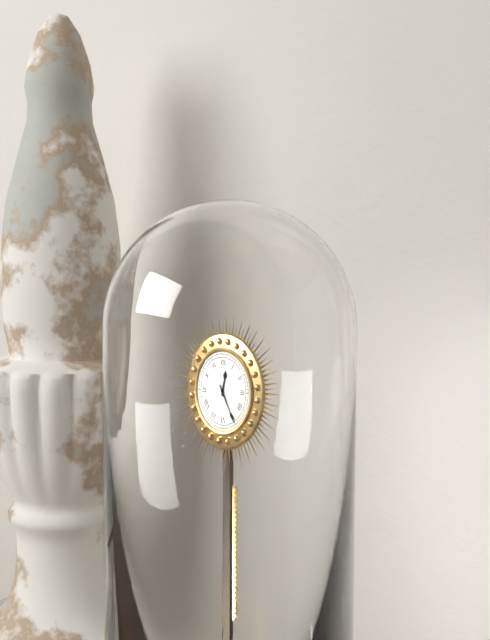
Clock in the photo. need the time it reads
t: 12:25
